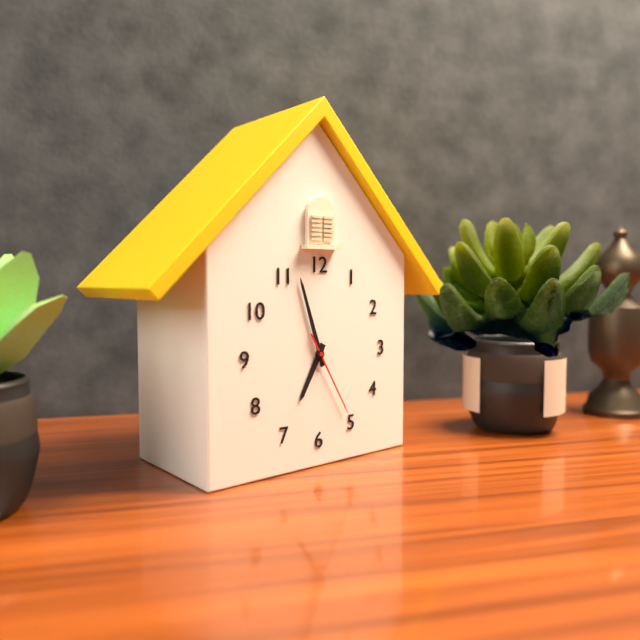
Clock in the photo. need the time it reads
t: 6:57:25
